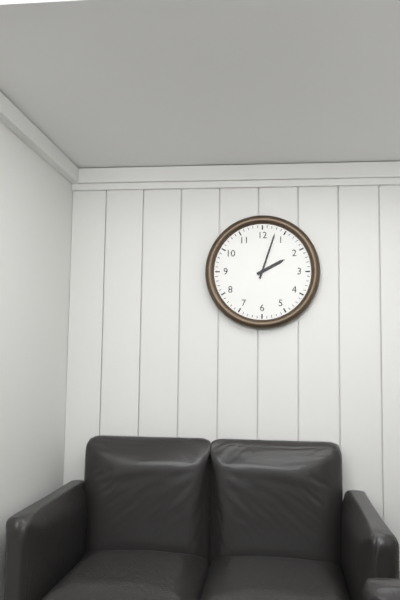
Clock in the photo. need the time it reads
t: 2:03
